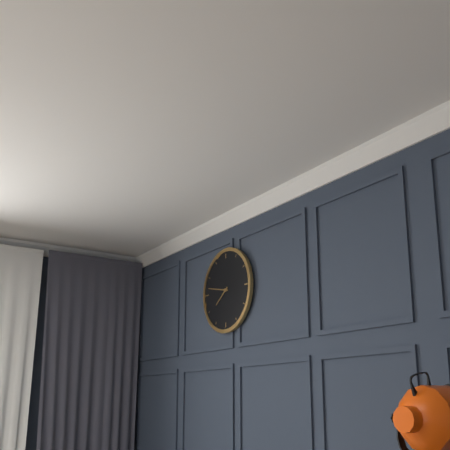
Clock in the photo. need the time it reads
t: 7:47
